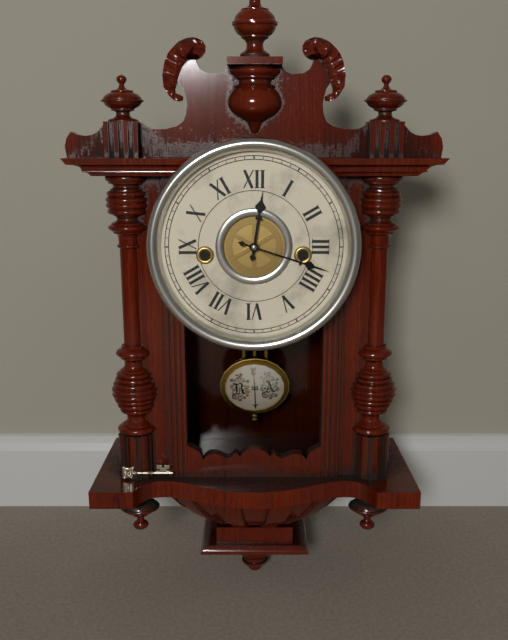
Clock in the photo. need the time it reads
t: 12:18
